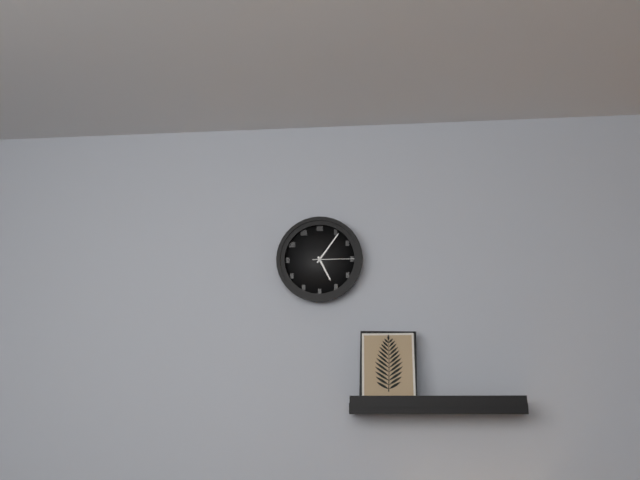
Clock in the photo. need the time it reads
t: 5:06
